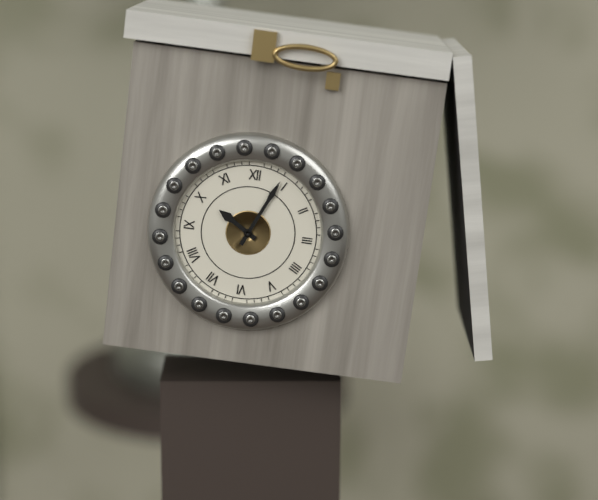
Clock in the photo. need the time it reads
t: 10:04
